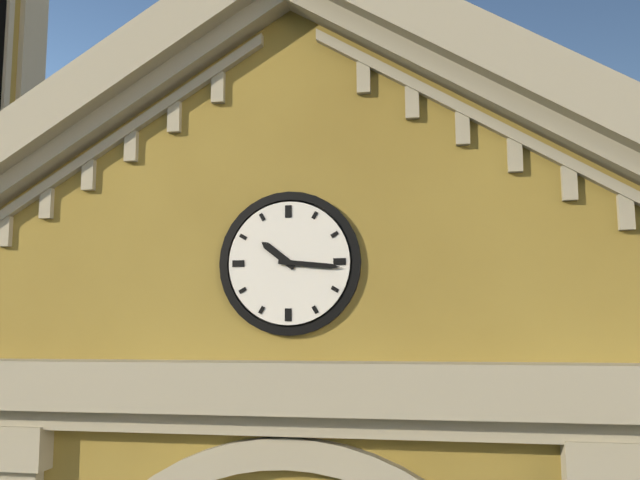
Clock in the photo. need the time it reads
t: 10:16
